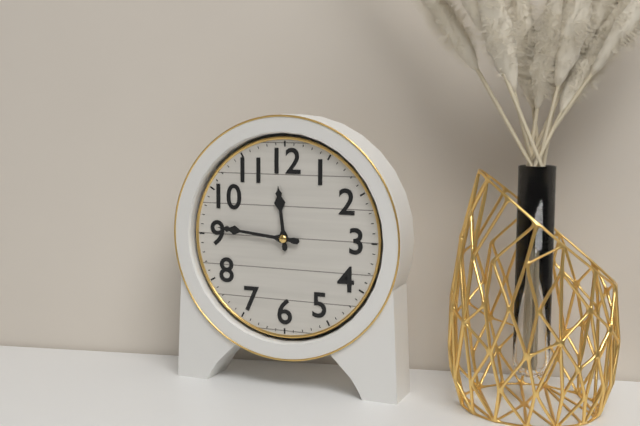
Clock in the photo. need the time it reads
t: 11:46
